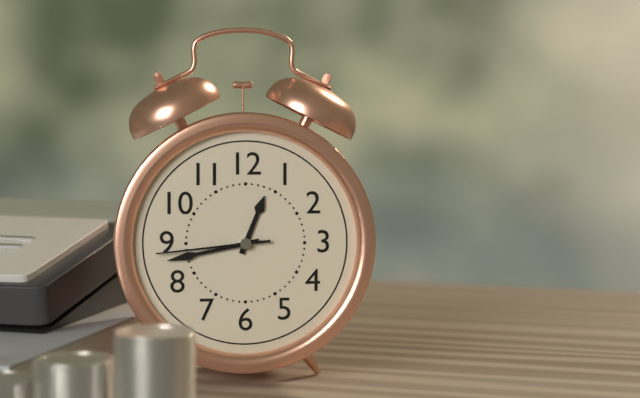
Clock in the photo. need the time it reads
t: 12:43:44
